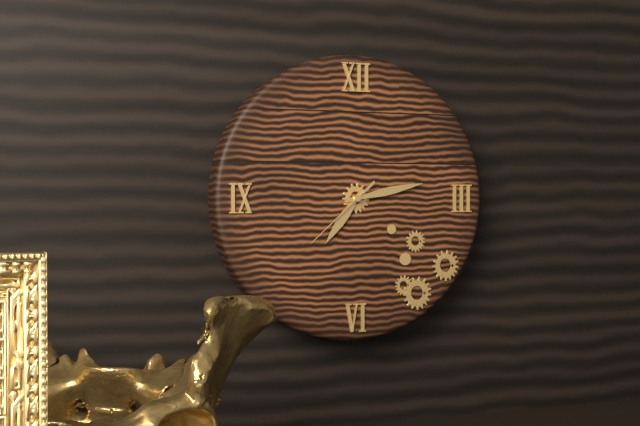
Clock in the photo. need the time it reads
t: 7:13:38
